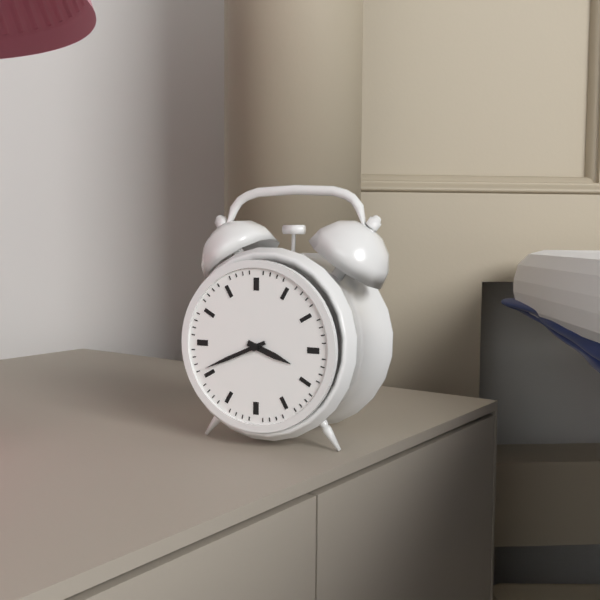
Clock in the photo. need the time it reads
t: 3:41
